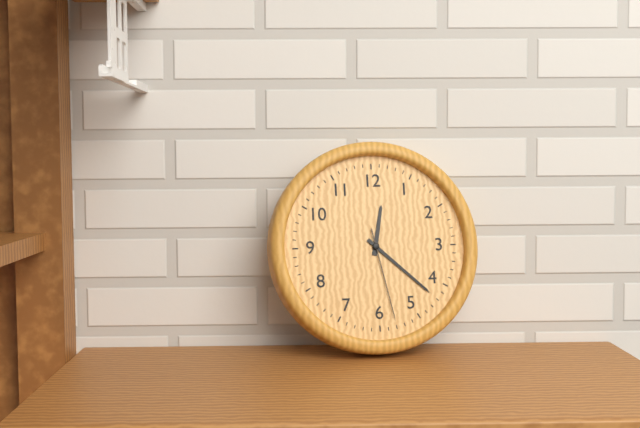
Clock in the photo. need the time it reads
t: 12:22:28
